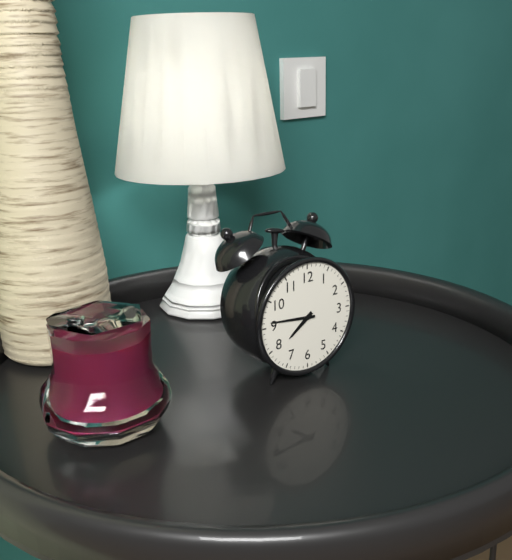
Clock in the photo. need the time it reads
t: 7:46
